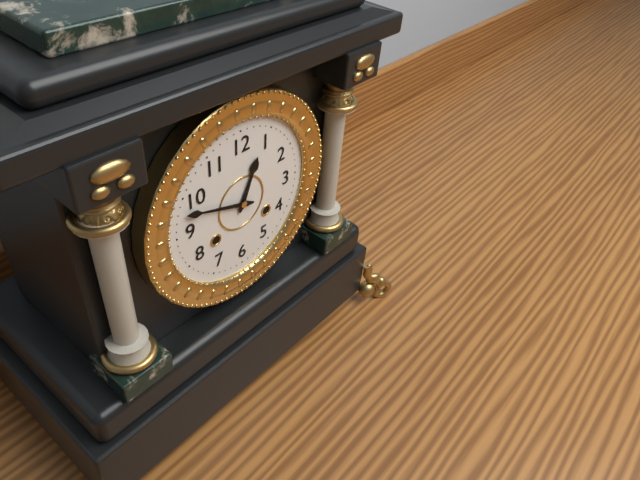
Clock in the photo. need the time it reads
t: 12:48
